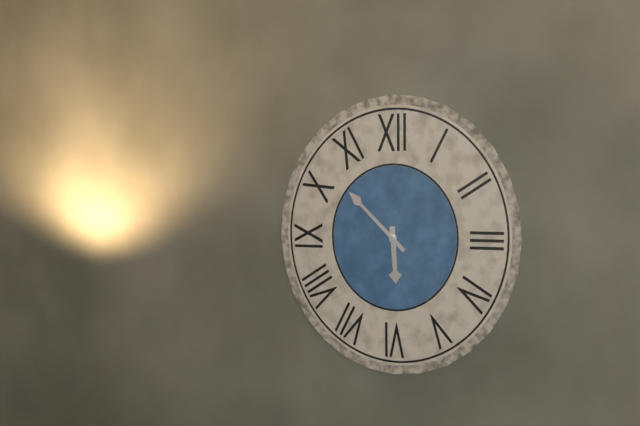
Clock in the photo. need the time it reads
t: 5:52
